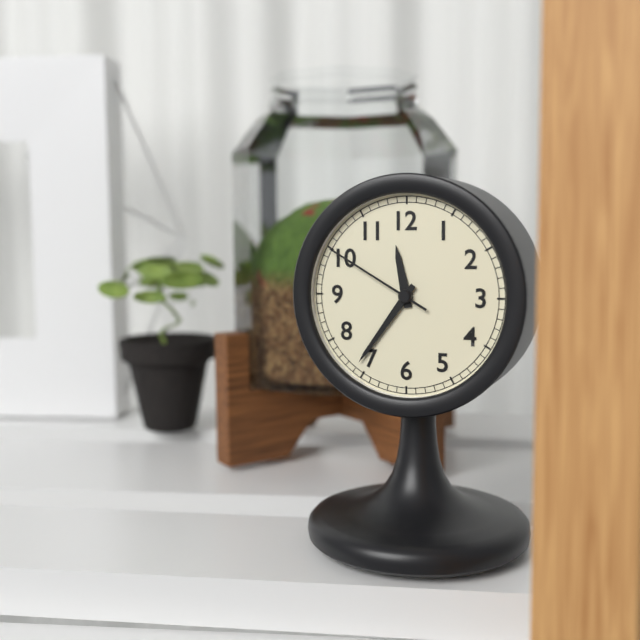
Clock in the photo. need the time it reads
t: 11:36:50
